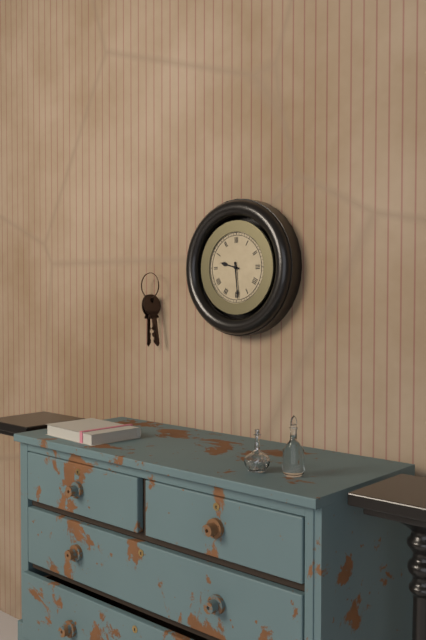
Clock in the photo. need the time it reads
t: 9:29
